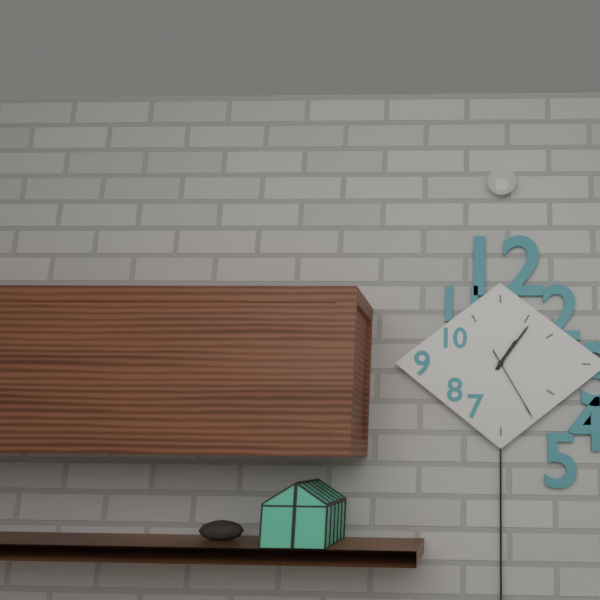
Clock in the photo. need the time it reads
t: 1:06:25
